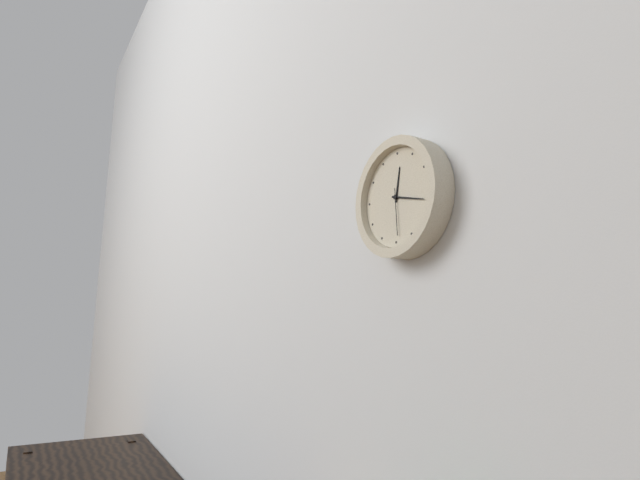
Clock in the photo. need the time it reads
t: 12:17
